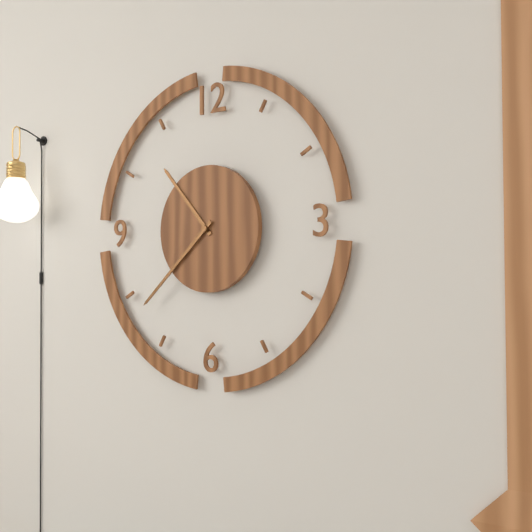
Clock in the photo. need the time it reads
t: 10:38
